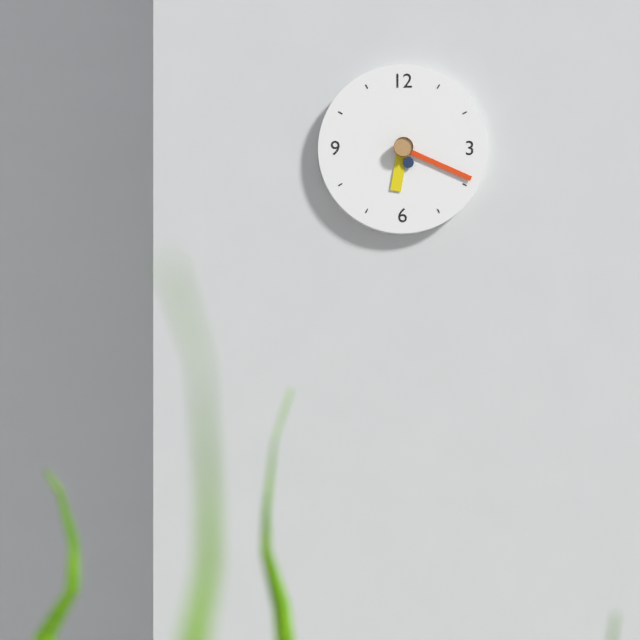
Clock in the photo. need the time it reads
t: 6:19
